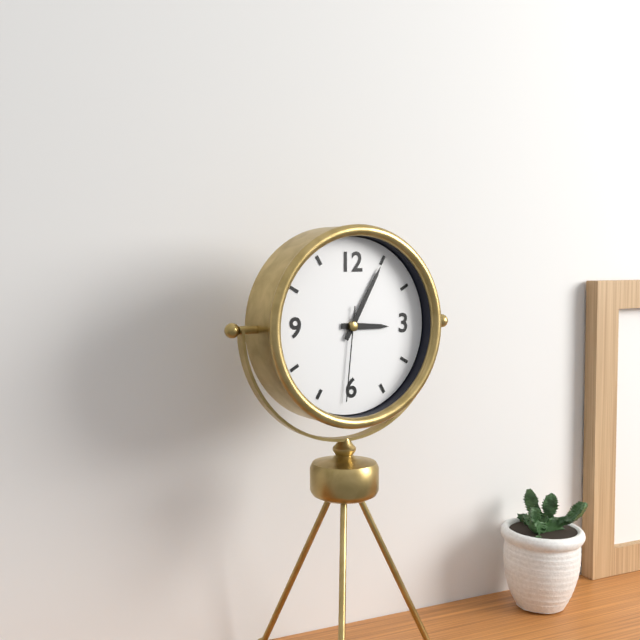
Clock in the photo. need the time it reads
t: 3:05:31
